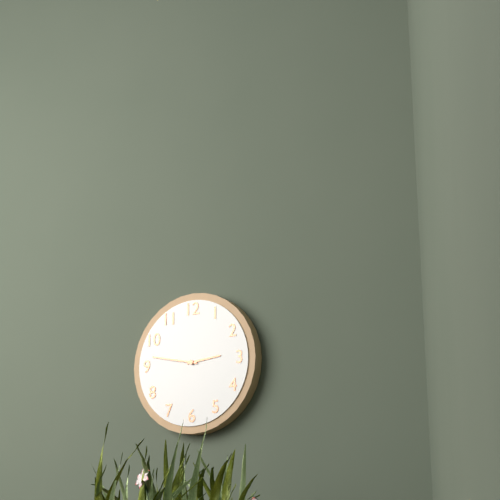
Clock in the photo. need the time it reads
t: 2:47
